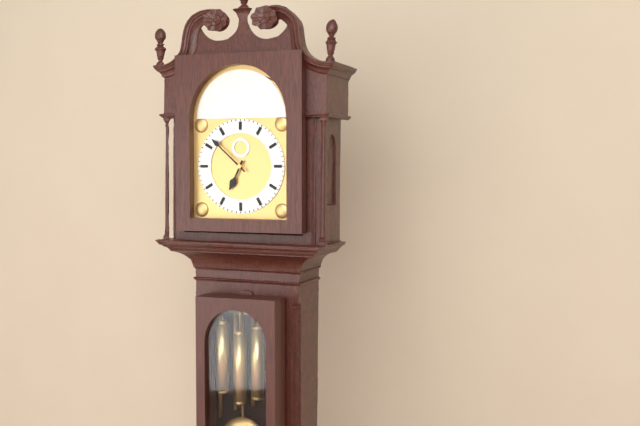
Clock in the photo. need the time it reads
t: 6:52
